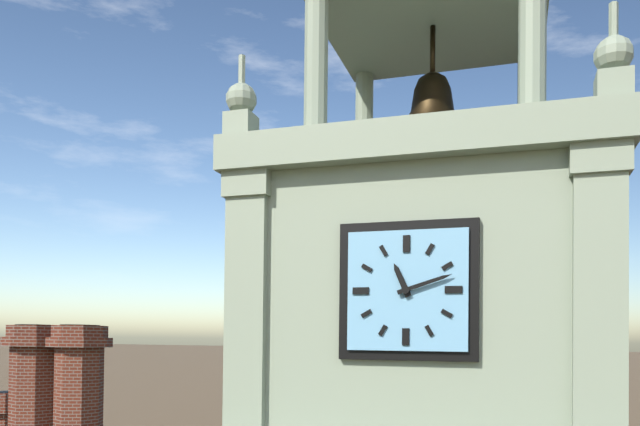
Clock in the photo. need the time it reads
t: 11:12
